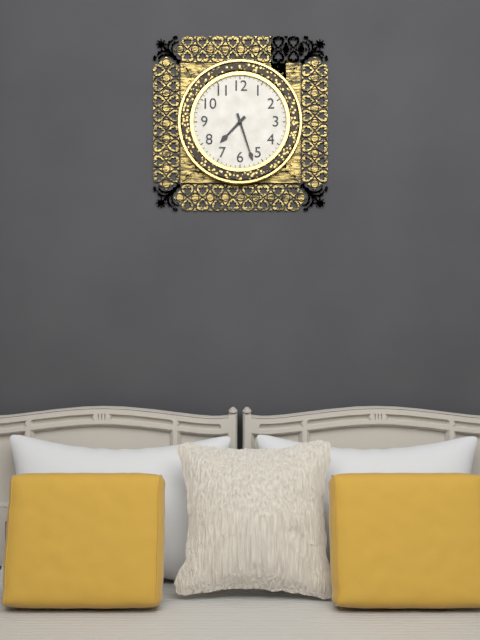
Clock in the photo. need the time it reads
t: 7:27
